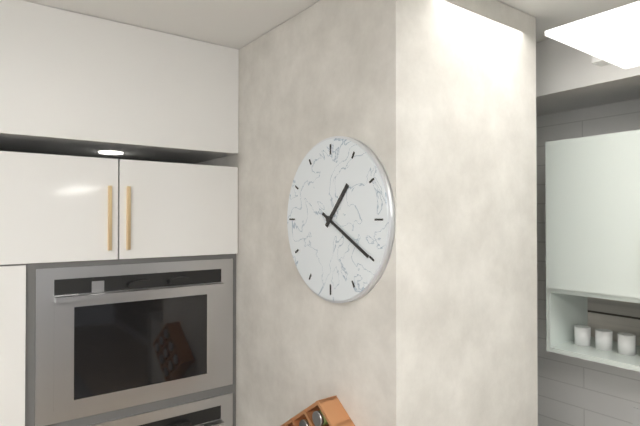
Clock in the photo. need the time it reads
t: 1:20
